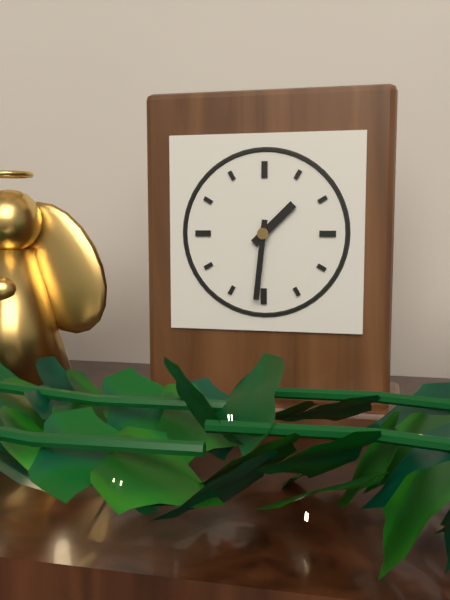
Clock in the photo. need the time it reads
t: 1:31
